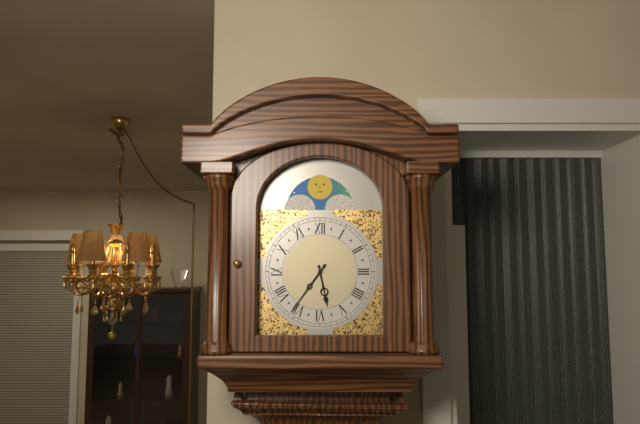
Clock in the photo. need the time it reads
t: 5:36
